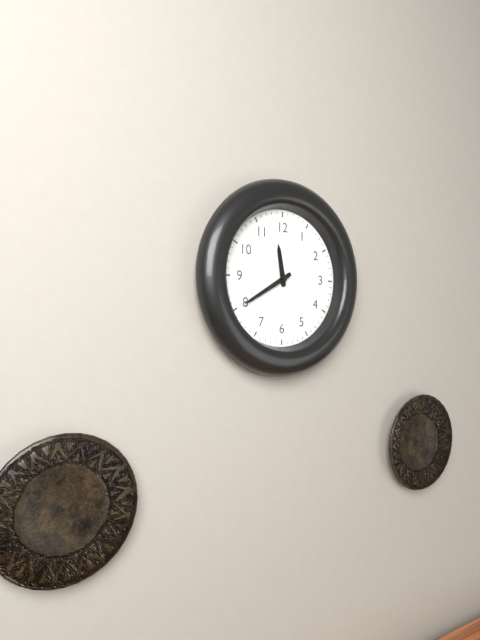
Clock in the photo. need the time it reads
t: 11:40
